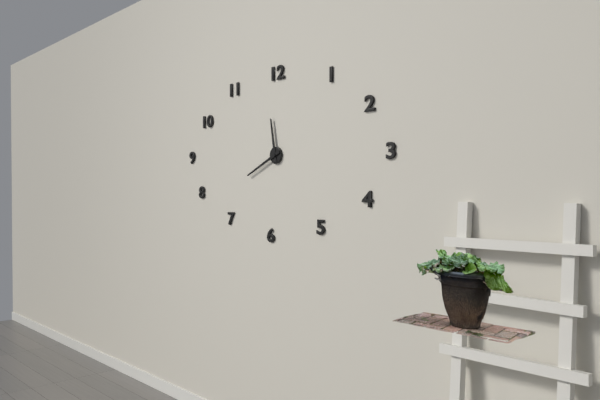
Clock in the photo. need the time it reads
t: 11:41
